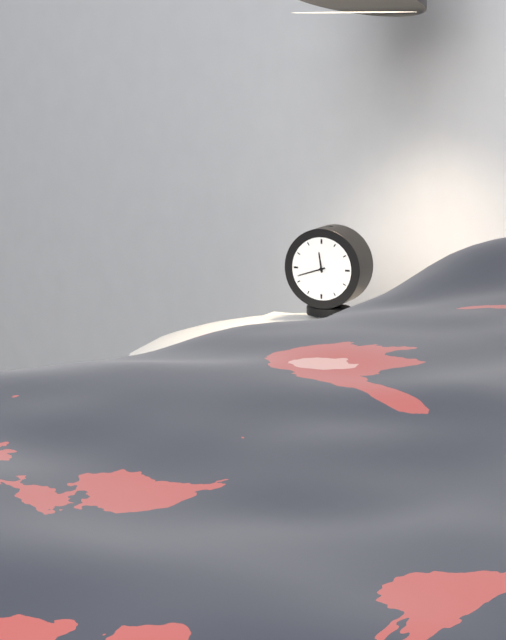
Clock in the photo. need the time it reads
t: 11:42
